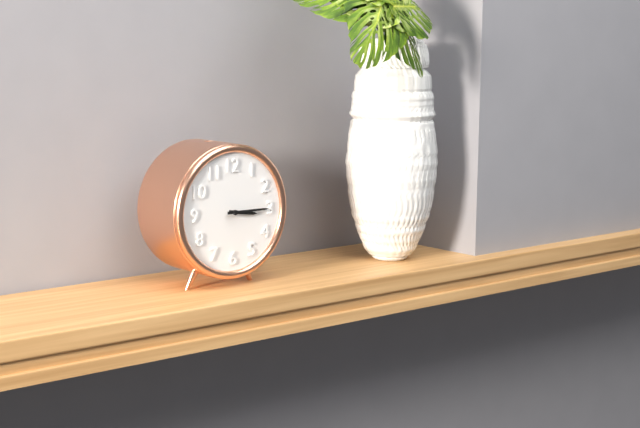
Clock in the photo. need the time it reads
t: 3:15
